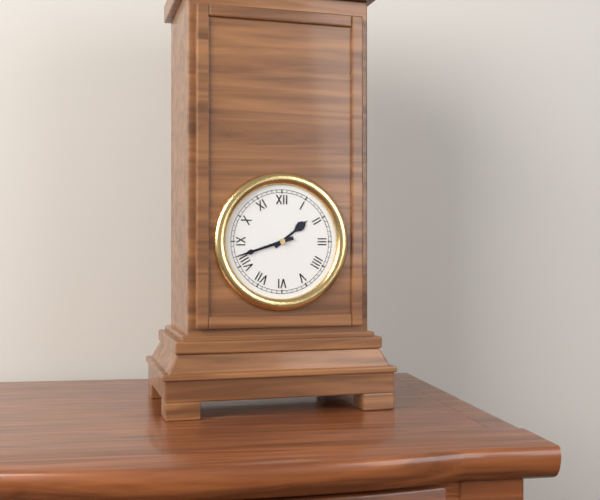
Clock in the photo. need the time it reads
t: 1:42
